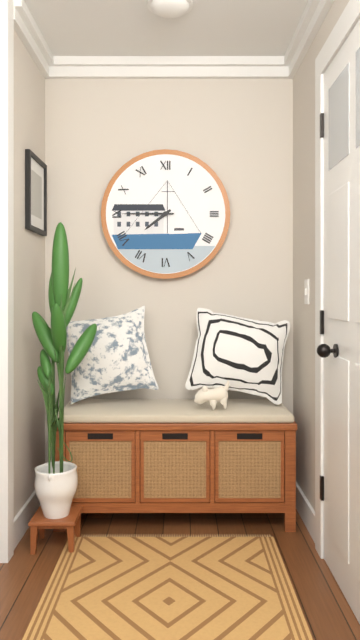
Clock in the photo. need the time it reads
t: 7:45
